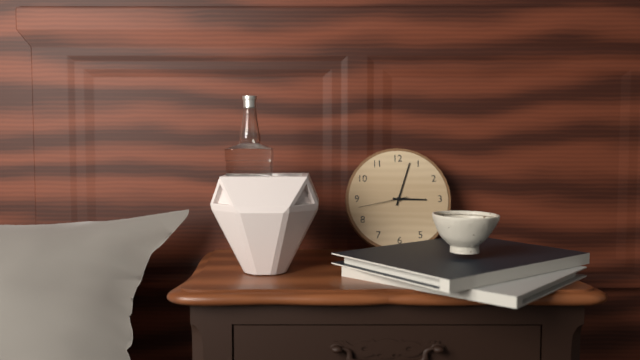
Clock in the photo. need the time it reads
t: 3:03:43
